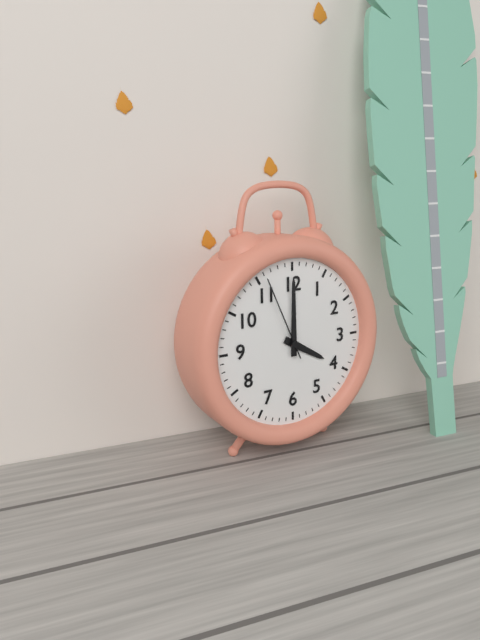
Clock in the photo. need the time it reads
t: 4:00:56
